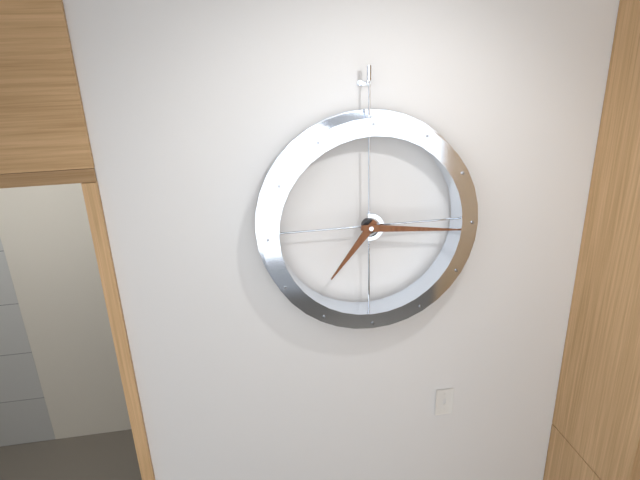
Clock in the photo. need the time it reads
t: 7:16
